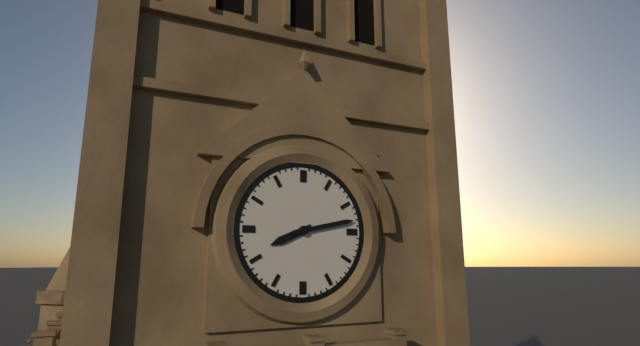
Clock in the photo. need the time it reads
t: 8:13
